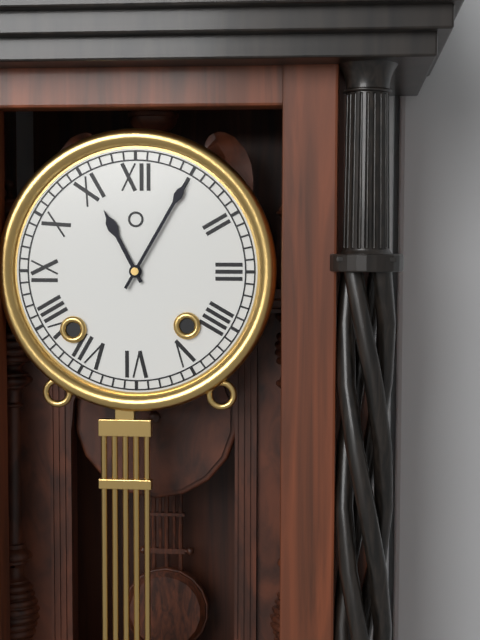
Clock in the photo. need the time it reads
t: 11:05
